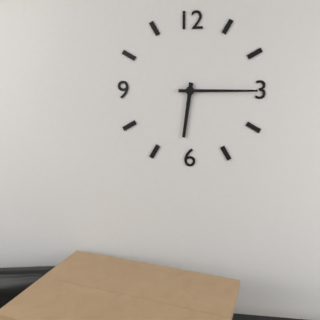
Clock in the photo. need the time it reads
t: 6:15
